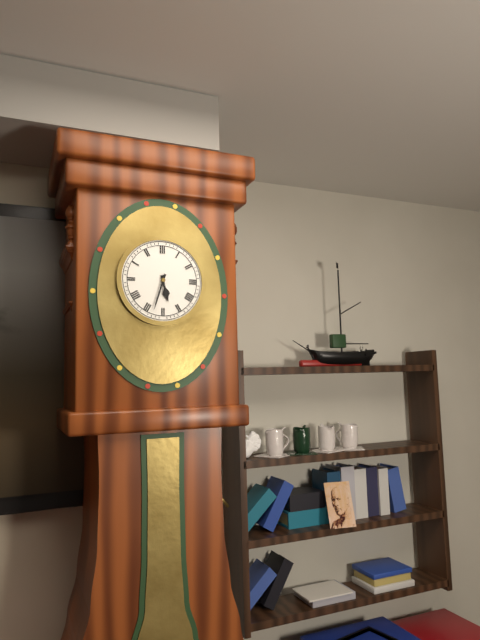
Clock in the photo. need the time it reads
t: 5:33
